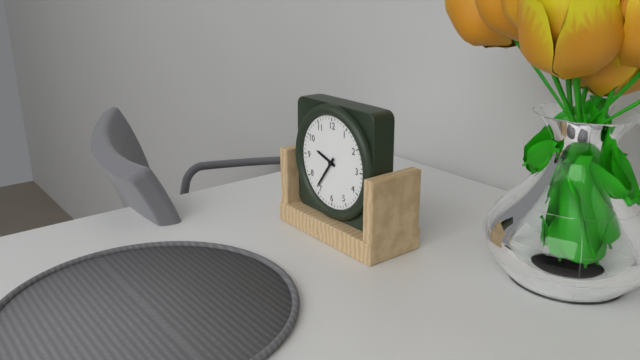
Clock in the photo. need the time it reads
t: 9:36
